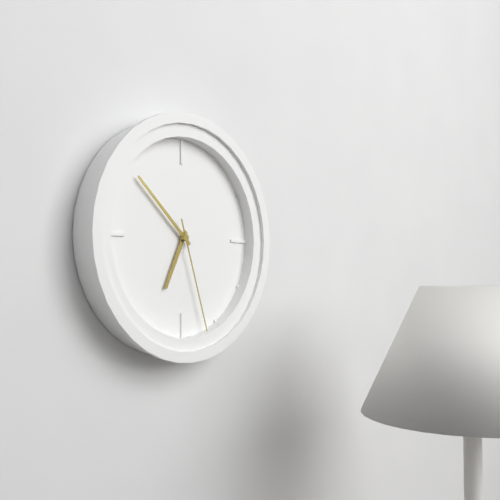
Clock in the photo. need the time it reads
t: 6:52:27
